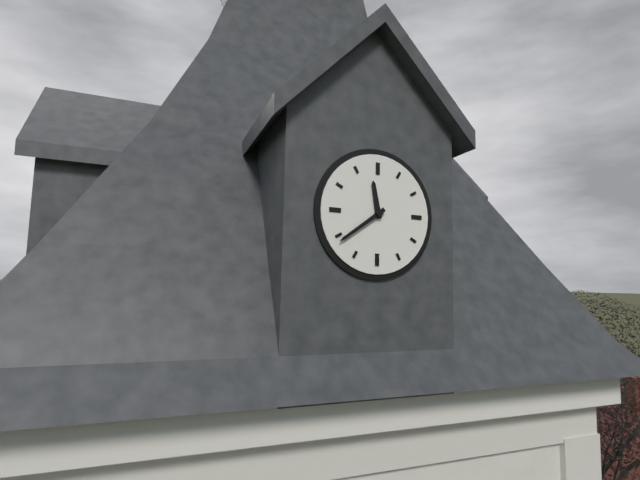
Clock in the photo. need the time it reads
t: 11:39
